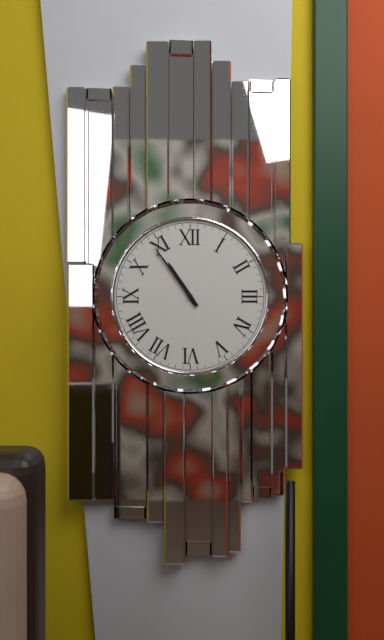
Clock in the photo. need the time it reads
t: 10:54
